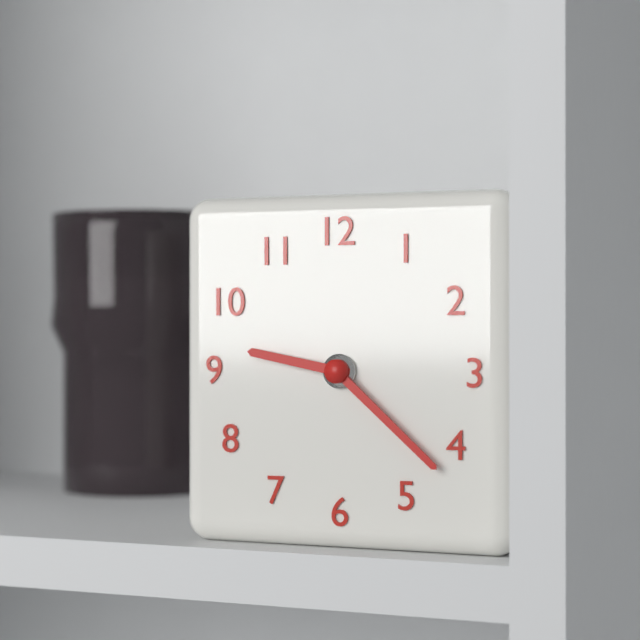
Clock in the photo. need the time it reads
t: 9:22
